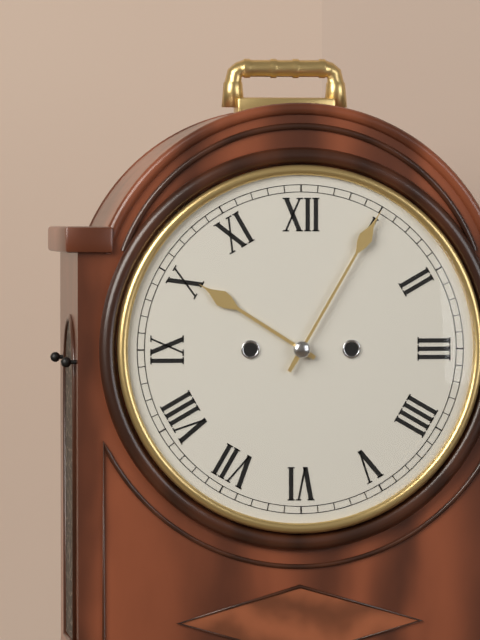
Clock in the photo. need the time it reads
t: 10:05
